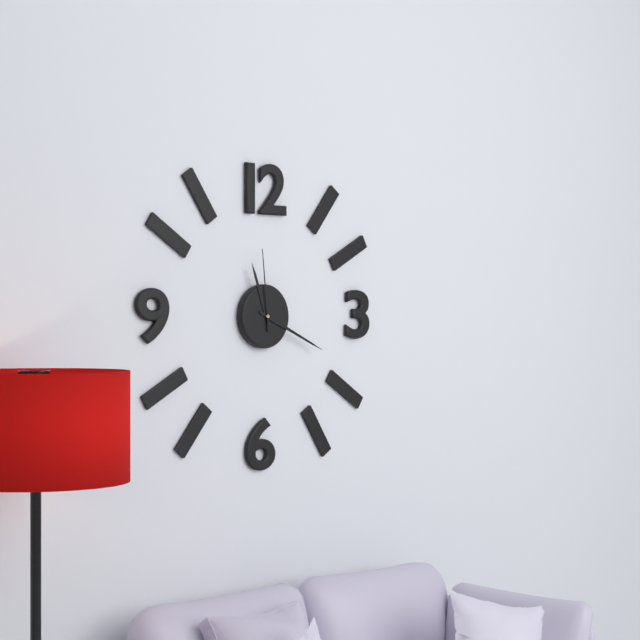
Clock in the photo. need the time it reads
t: 11:19:59
